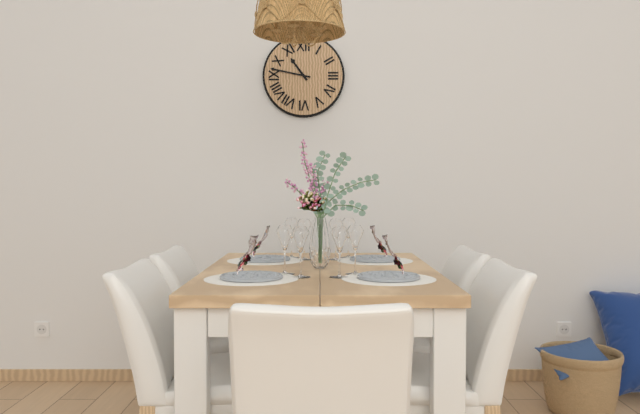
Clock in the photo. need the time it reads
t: 10:47
